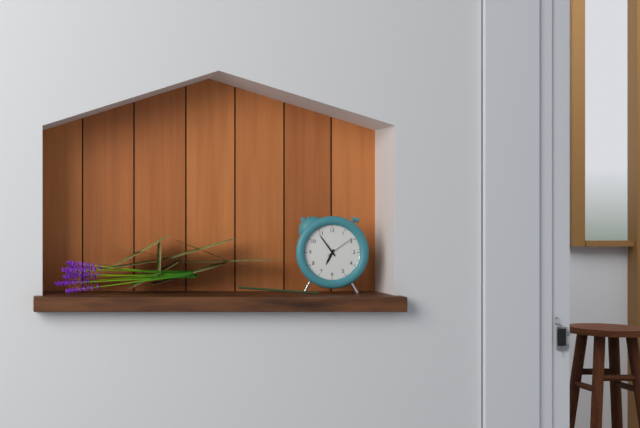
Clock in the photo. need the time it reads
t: 6:54
